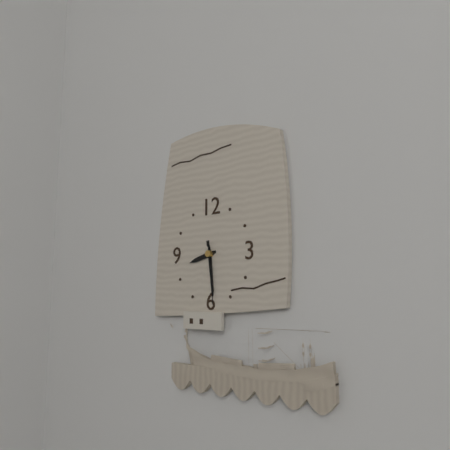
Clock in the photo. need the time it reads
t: 8:29:29
